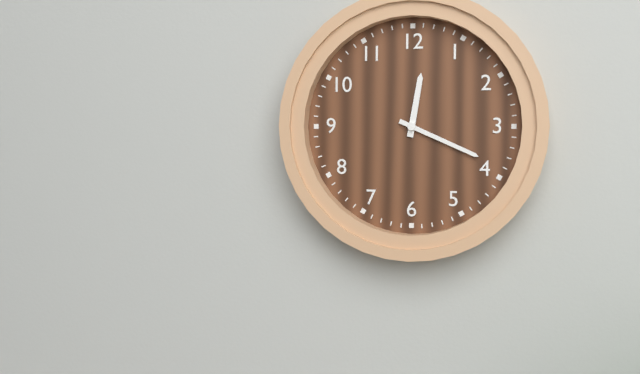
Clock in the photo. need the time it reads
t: 12:19
